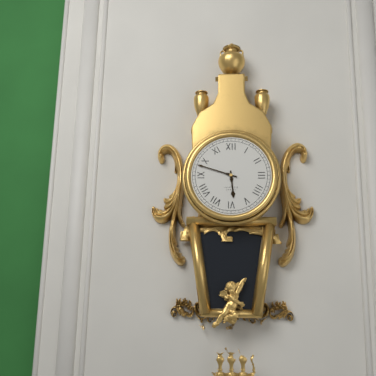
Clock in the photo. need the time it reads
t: 5:48
